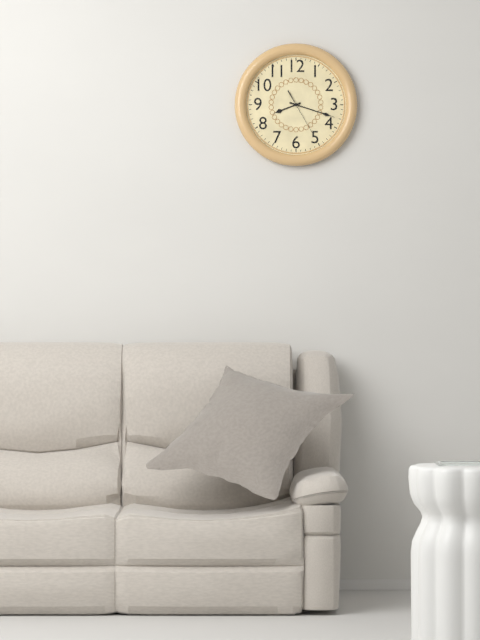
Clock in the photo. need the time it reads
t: 8:18
